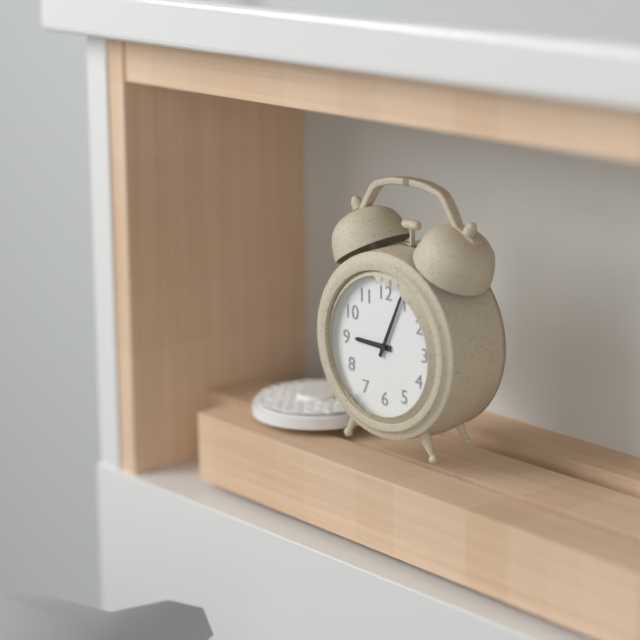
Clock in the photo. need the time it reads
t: 9:04
